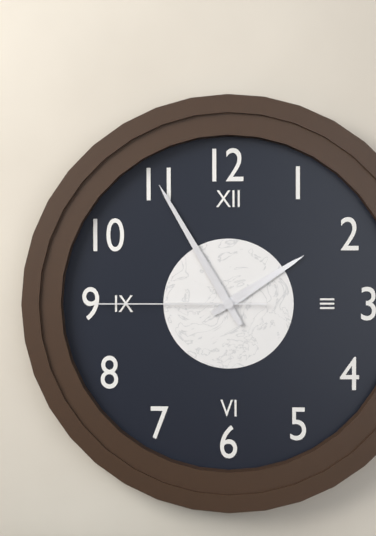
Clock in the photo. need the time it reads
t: 1:55:45
